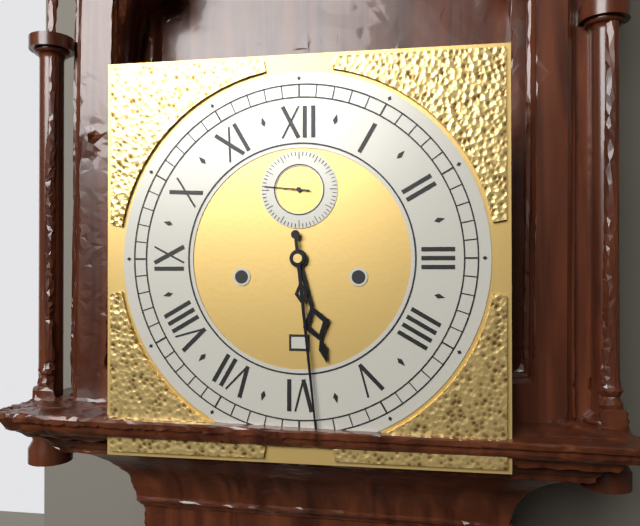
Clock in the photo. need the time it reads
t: 5:29
